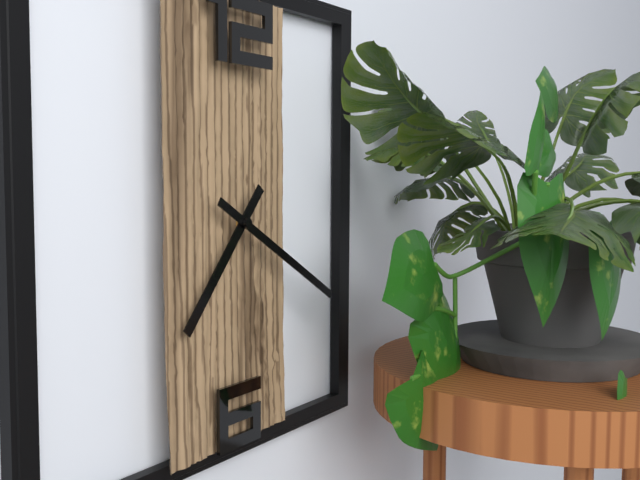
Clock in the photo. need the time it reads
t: 7:20
